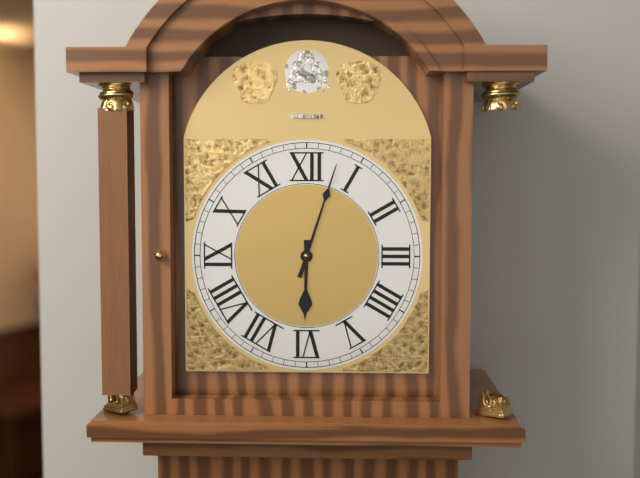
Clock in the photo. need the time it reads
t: 6:03
